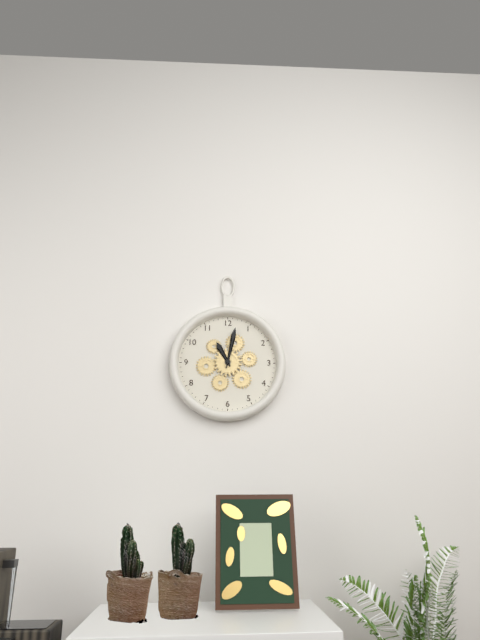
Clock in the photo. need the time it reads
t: 11:02
